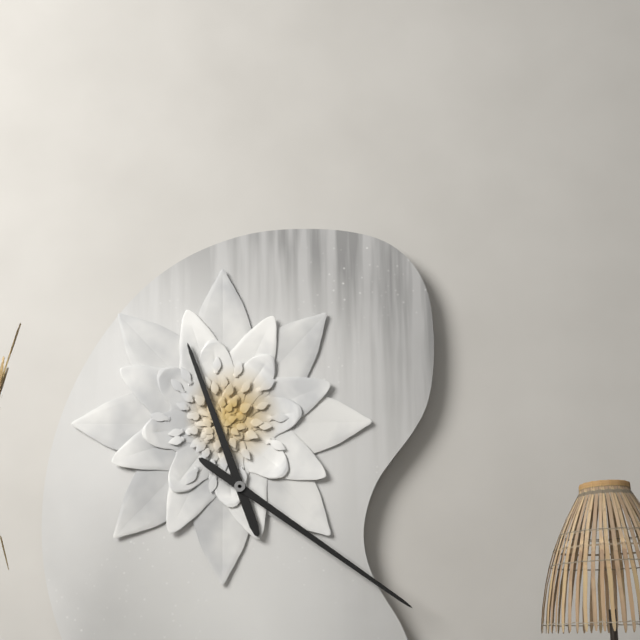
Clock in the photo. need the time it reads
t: 11:21
